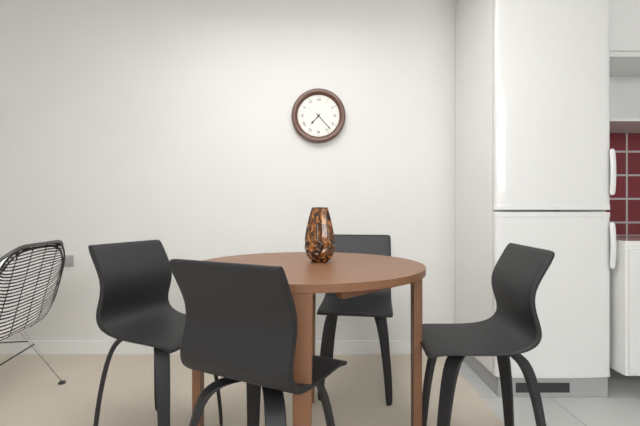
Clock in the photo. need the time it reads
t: 7:23
